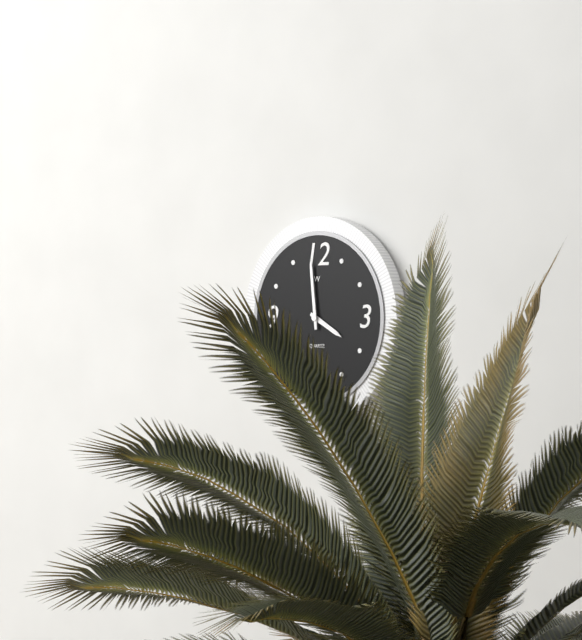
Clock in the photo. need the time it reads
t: 3:59
